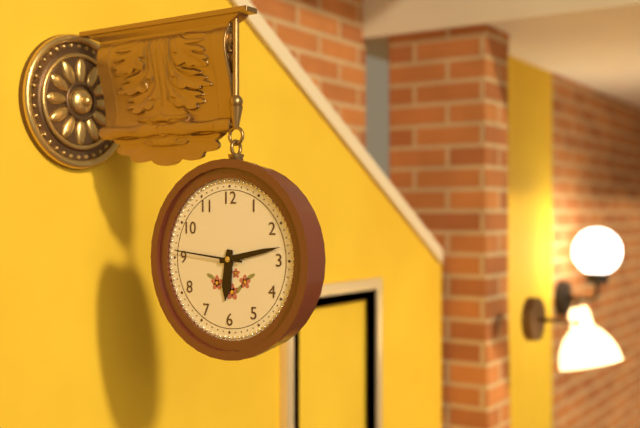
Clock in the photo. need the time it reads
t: 6:13:46
